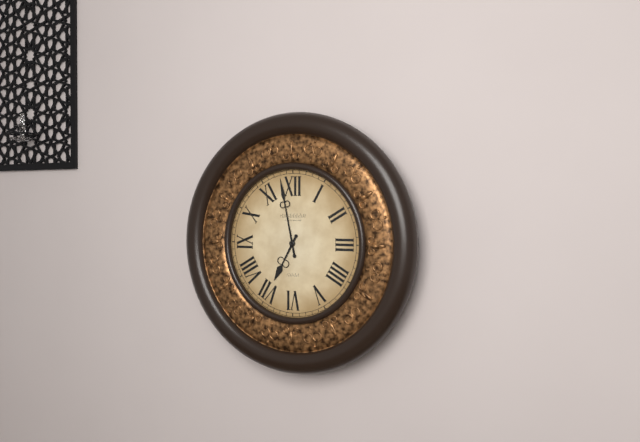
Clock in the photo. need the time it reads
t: 6:58
